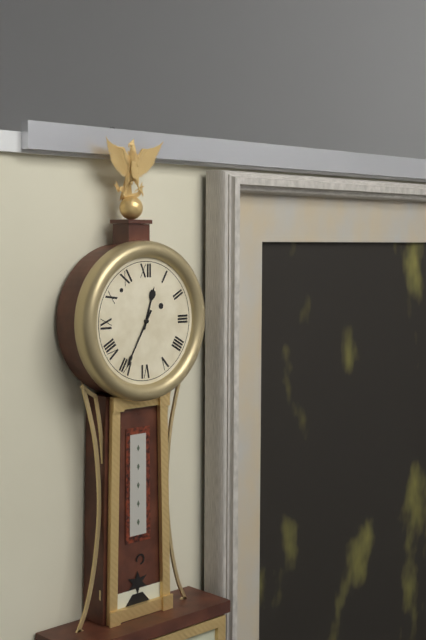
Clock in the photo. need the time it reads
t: 12:35
